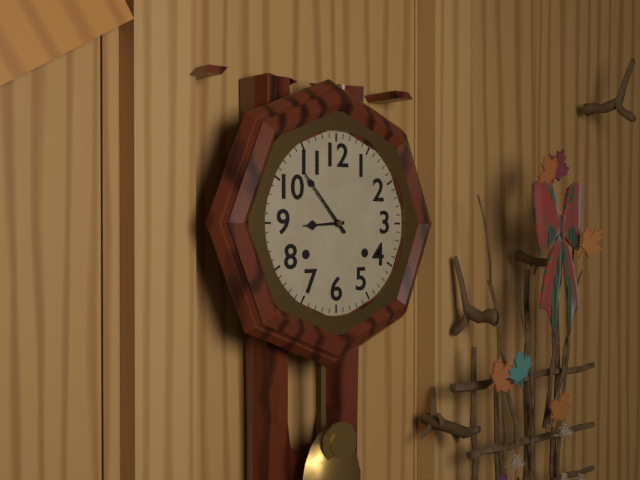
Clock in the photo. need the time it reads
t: 8:53
